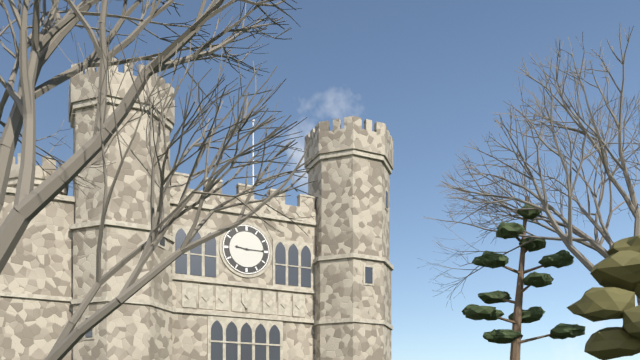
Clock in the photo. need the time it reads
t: 9:15
